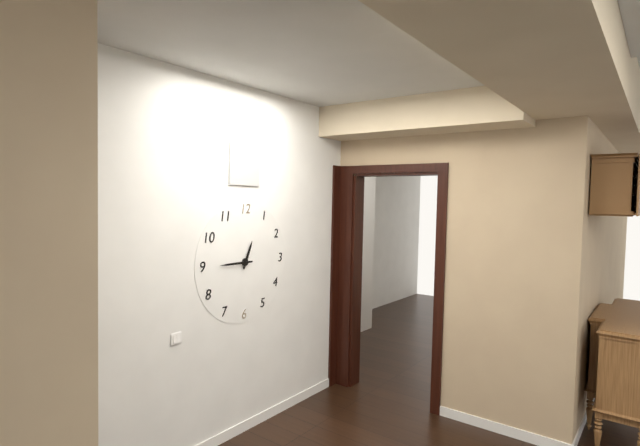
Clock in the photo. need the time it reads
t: 12:45
